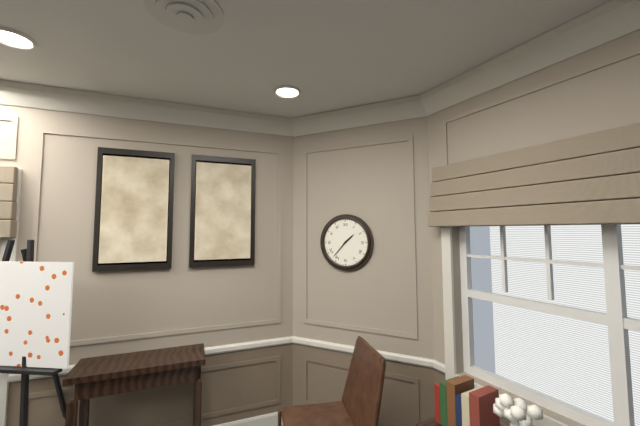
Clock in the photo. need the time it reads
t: 1:37
